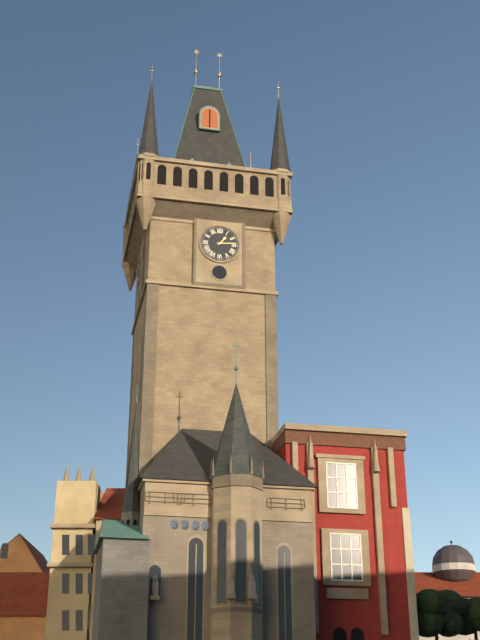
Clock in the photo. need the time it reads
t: 1:14
